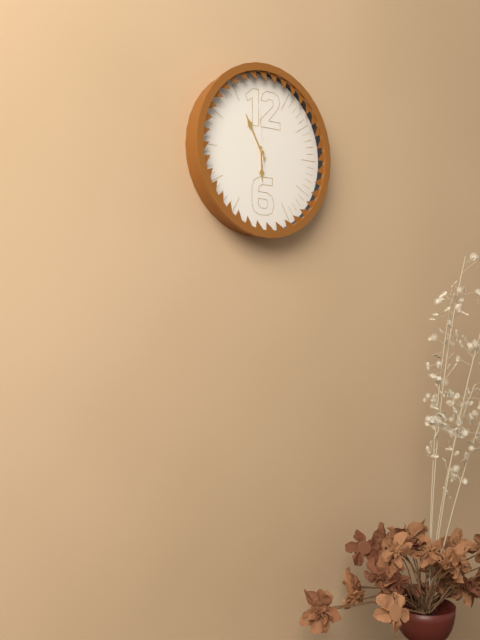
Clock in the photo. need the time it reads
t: 5:55:59
